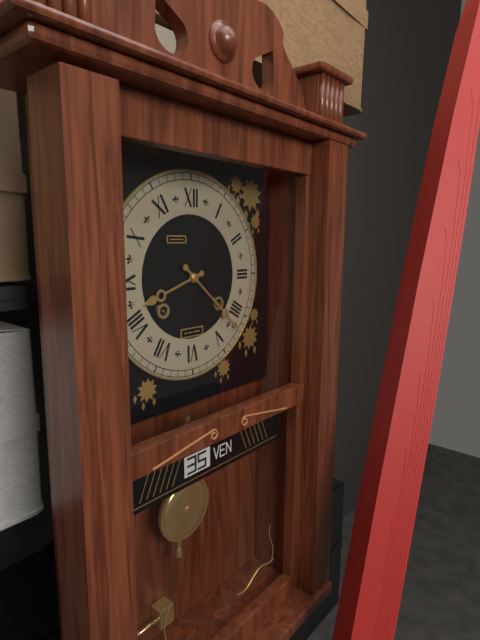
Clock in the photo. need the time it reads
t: 8:22
